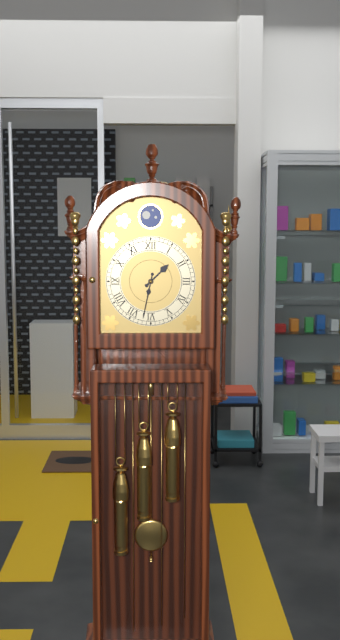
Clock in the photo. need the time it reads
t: 1:32
